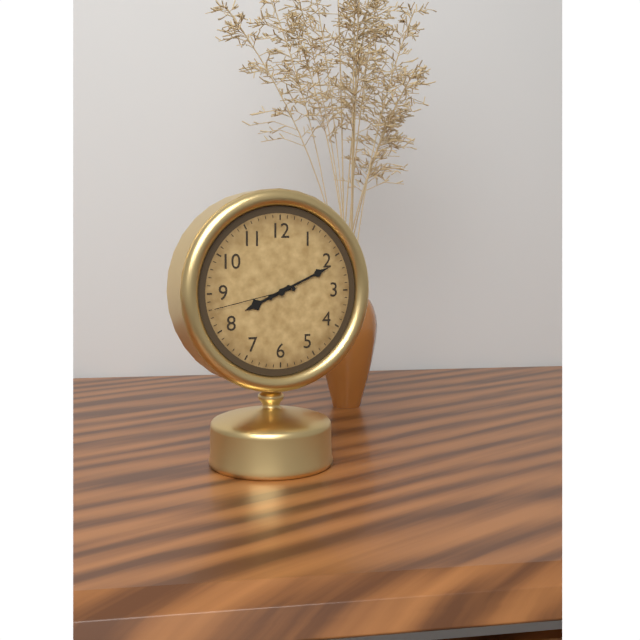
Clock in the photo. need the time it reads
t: 8:11:43
